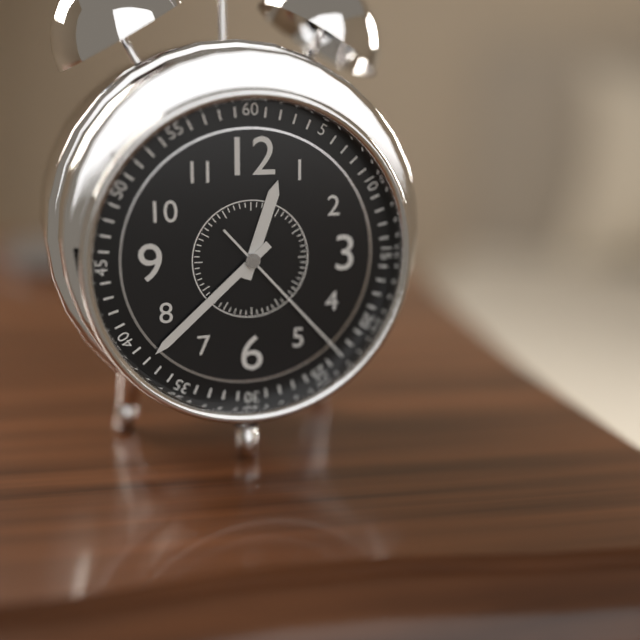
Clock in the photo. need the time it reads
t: 12:38:23
